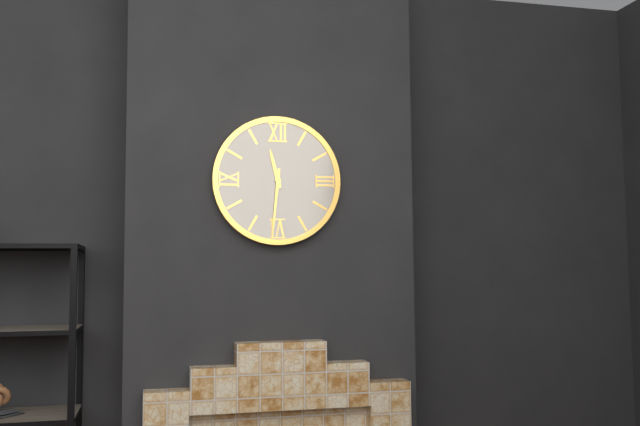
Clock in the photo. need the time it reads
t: 11:31
